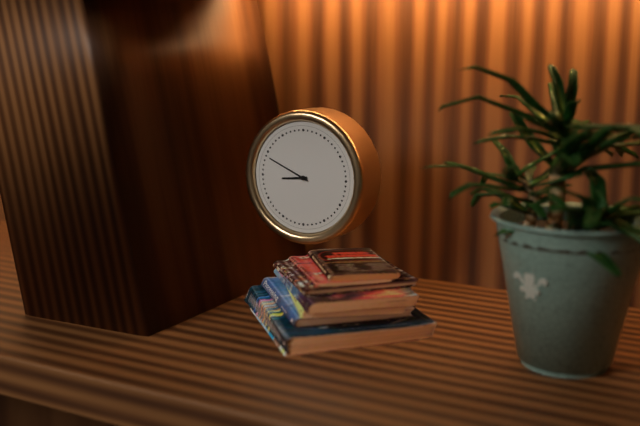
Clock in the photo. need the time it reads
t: 8:49
